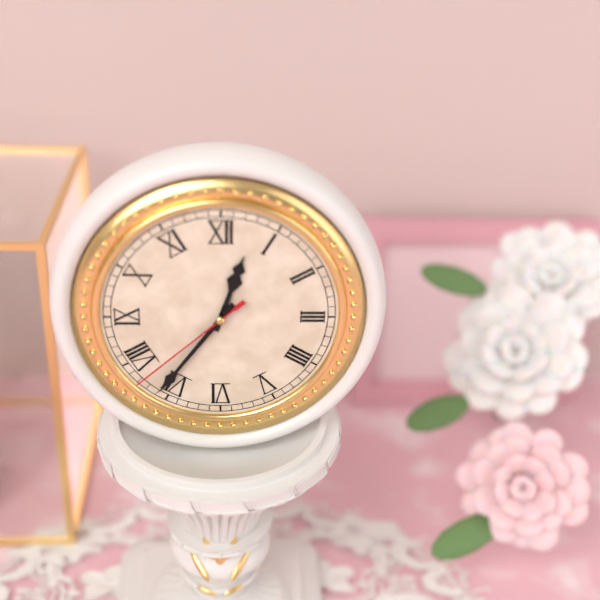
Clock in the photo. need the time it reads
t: 12:36:38
